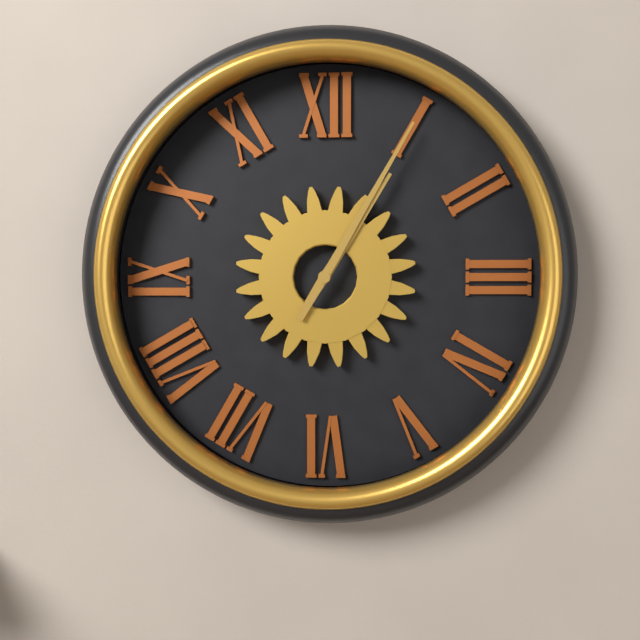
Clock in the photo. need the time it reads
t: 1:05
